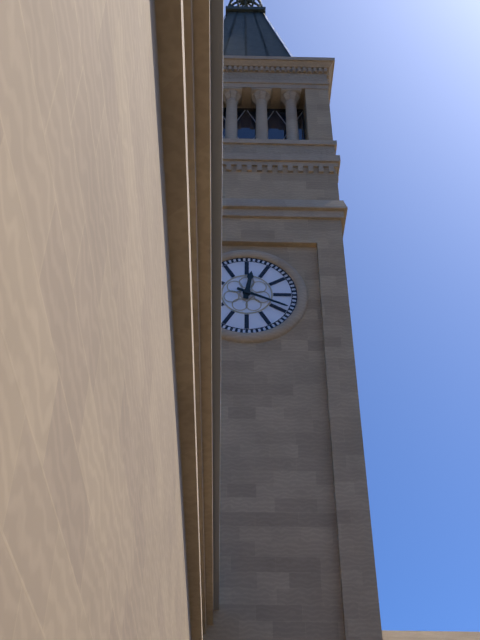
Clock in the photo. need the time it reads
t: 12:19
